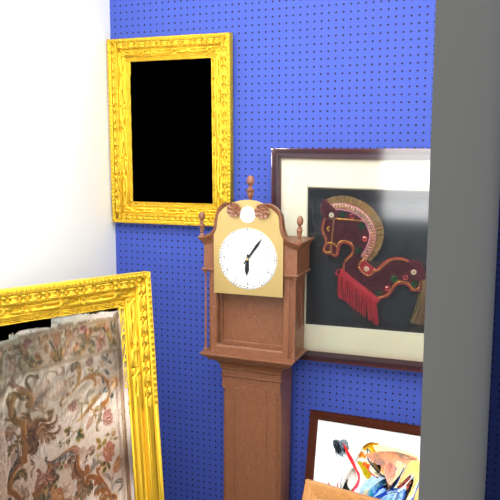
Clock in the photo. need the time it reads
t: 6:06
